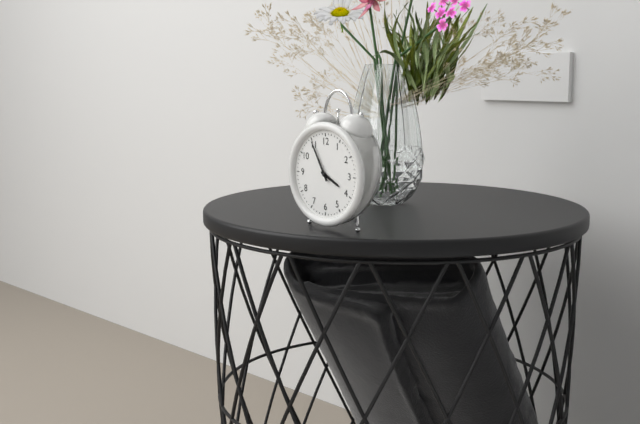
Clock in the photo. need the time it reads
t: 3:55
